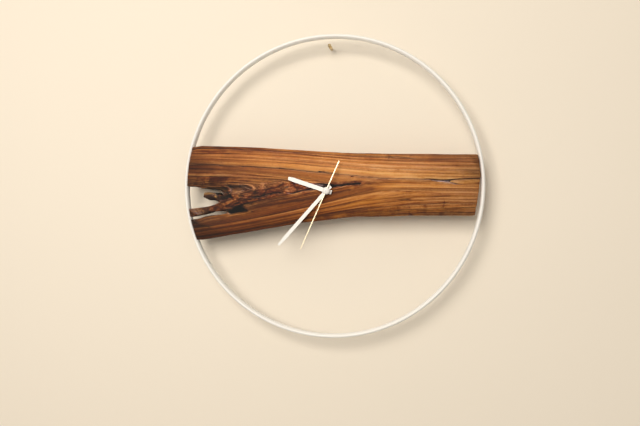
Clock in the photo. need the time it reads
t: 9:37:34
